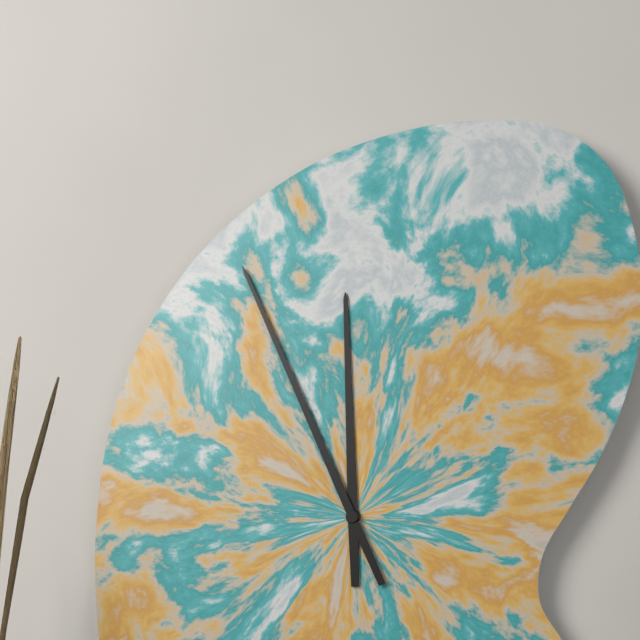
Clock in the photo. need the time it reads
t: 11:56
